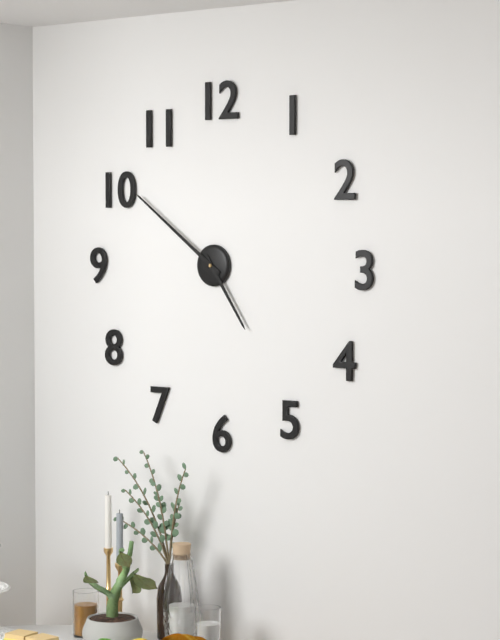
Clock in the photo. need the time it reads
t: 4:51
